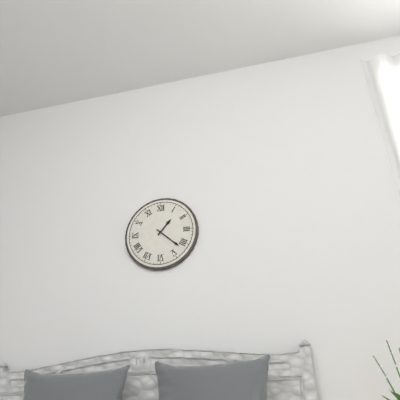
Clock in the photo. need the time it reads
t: 1:22
